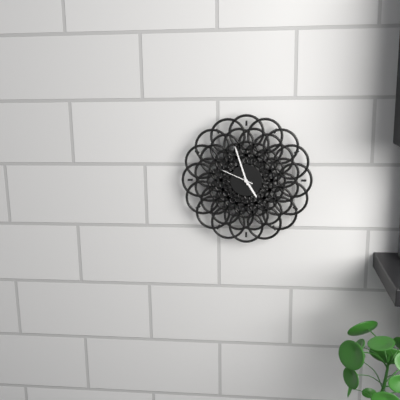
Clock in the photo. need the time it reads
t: 4:57
